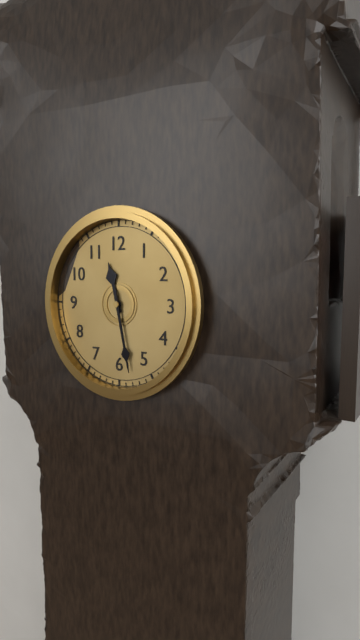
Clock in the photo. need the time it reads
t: 11:28
